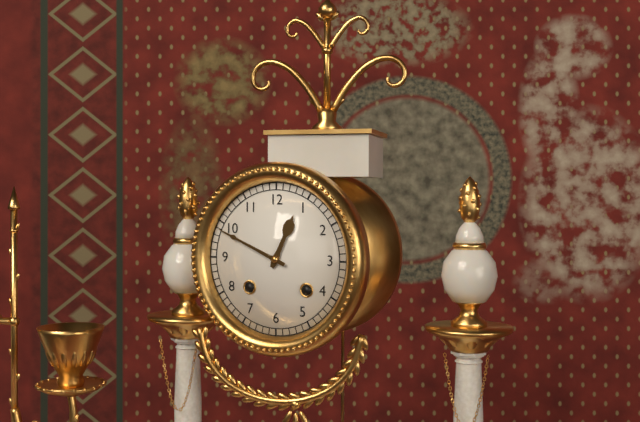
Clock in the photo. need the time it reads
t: 12:49
